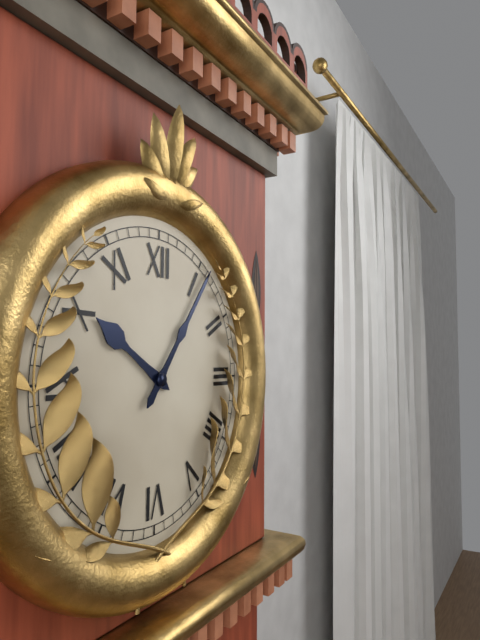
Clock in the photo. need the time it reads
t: 10:06
